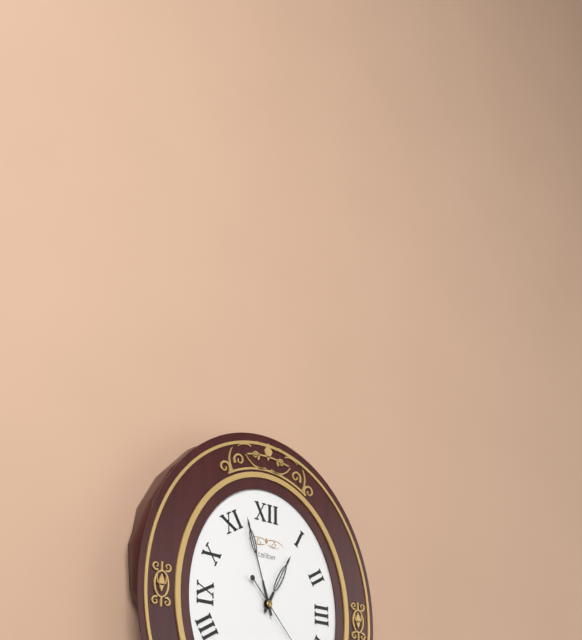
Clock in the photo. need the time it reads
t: 12:57
